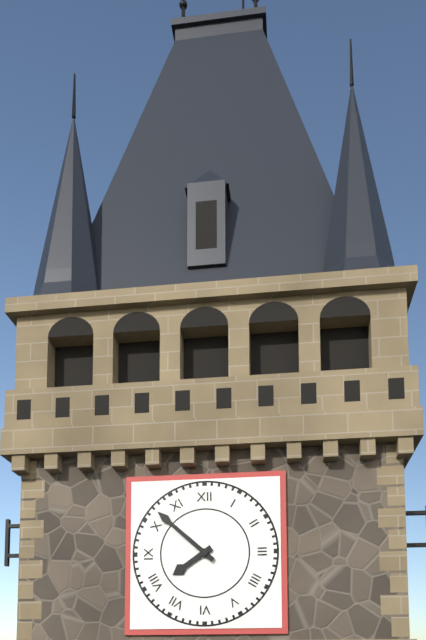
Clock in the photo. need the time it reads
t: 7:52
